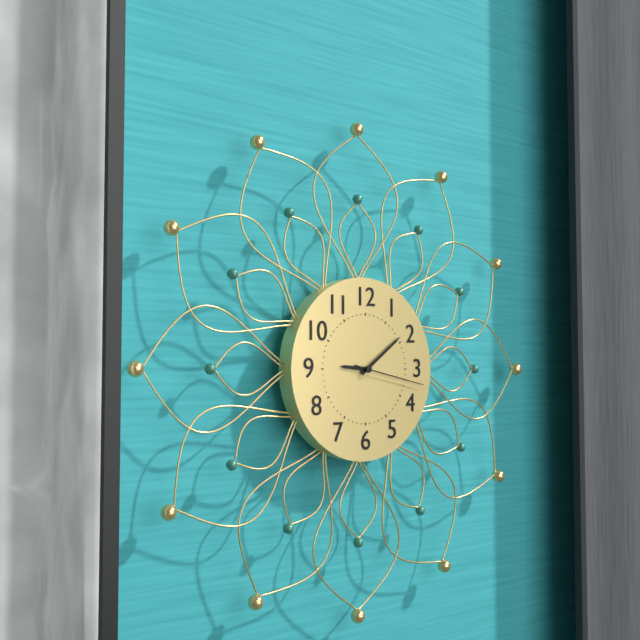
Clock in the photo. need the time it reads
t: 9:09:17
